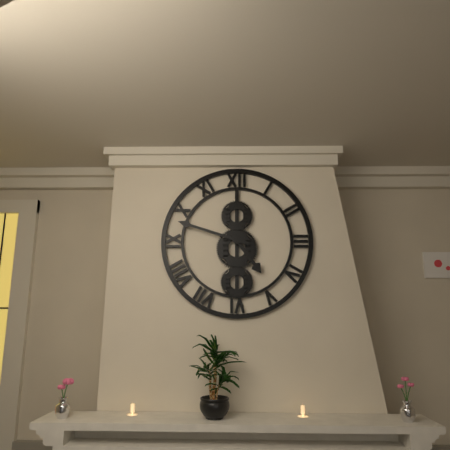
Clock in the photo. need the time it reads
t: 4:48
